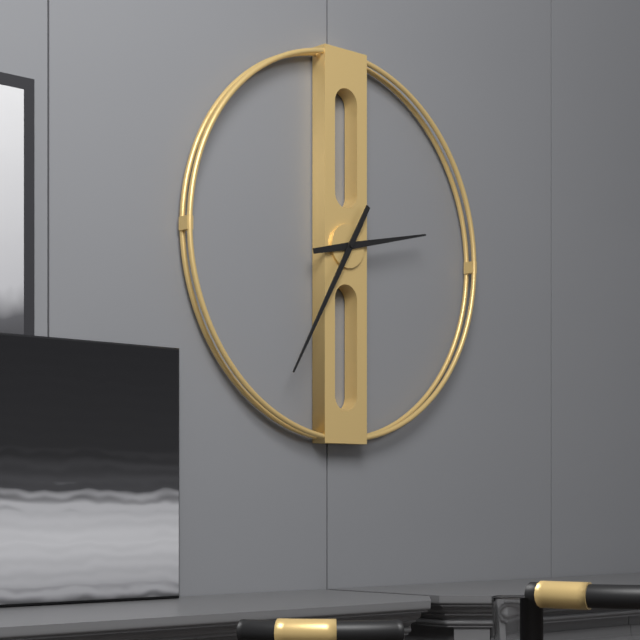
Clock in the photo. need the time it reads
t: 2:35
